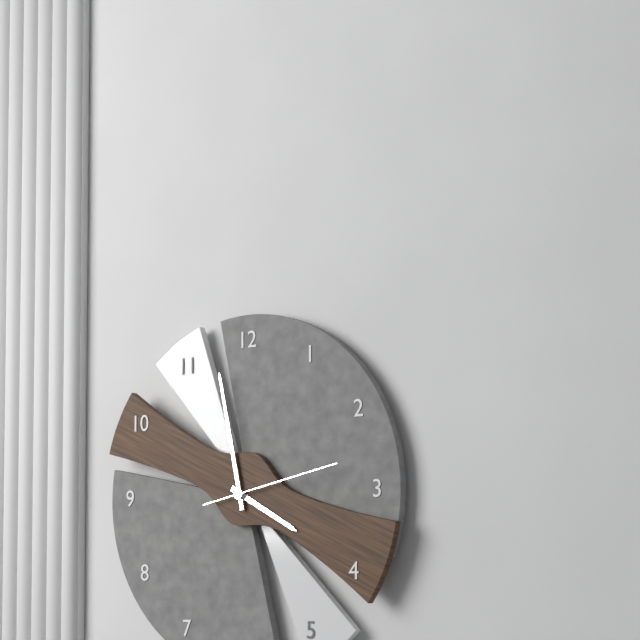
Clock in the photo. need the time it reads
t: 3:58:13
